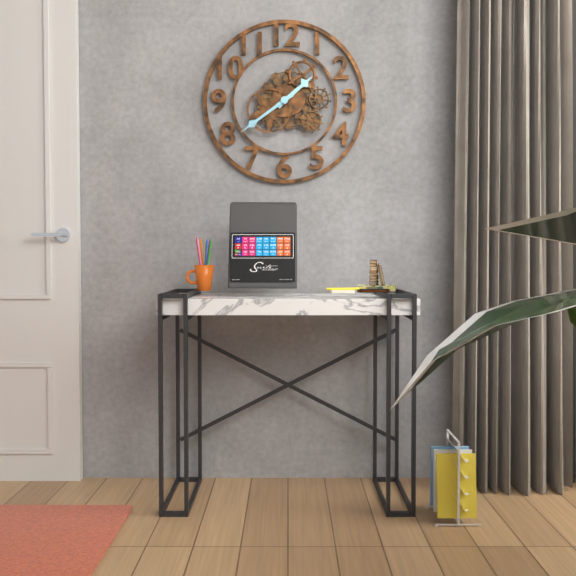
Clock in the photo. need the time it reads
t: 1:39
